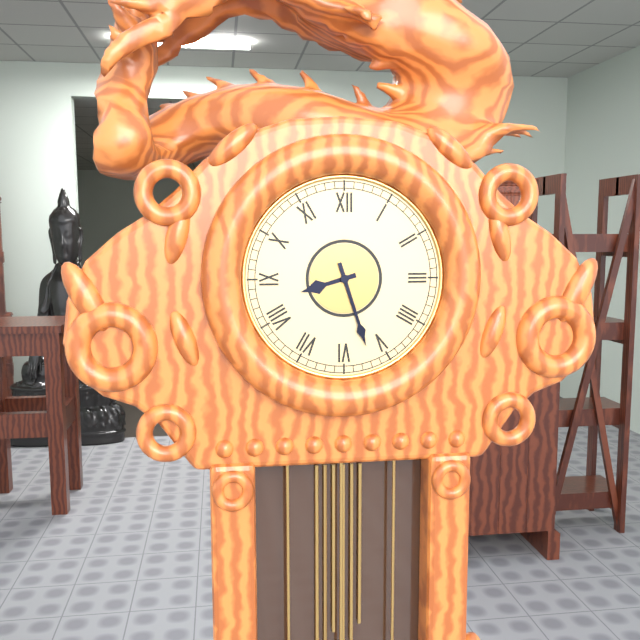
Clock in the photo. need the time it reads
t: 8:27
